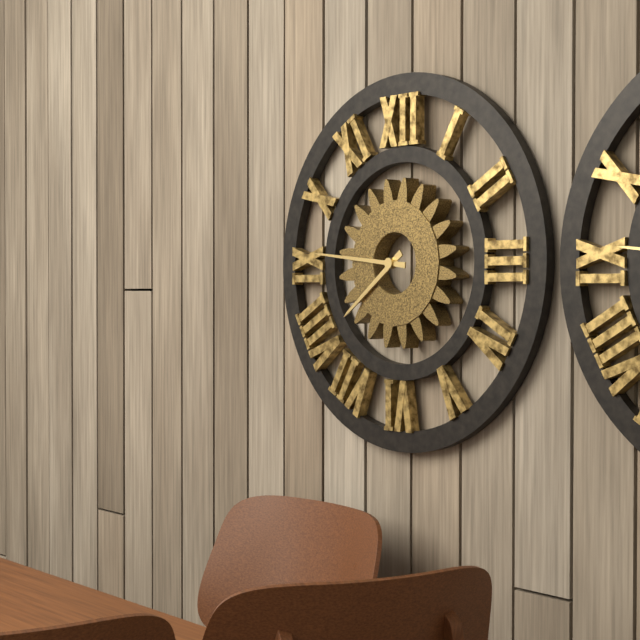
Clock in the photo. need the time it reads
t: 7:46
